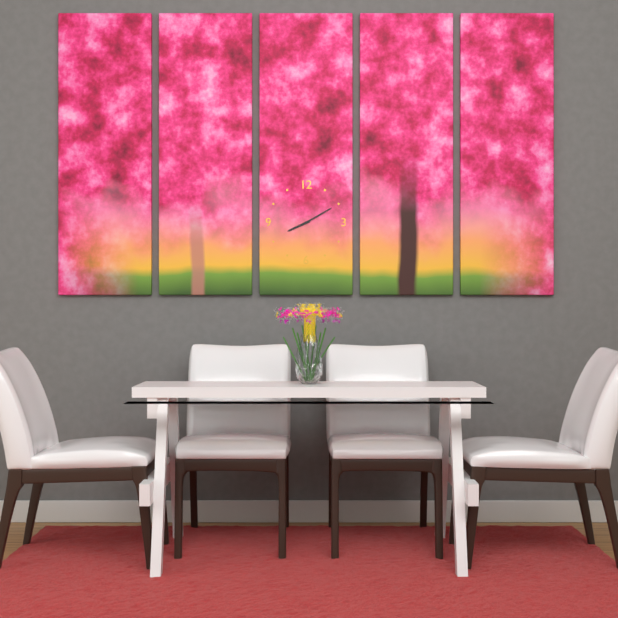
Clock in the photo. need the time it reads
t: 8:10
